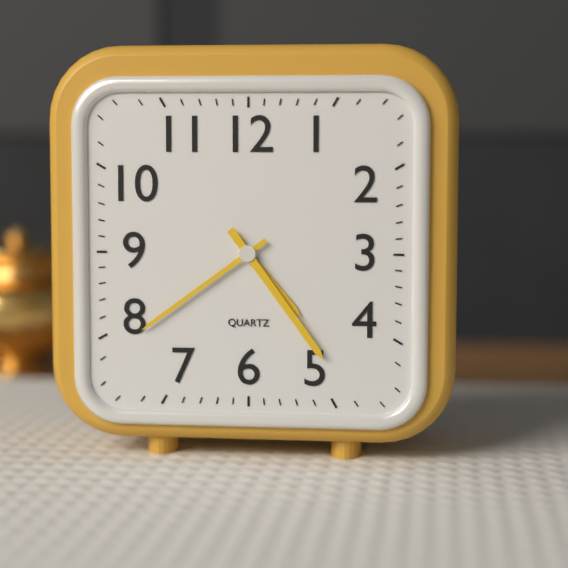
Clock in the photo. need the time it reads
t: 4:39:24
